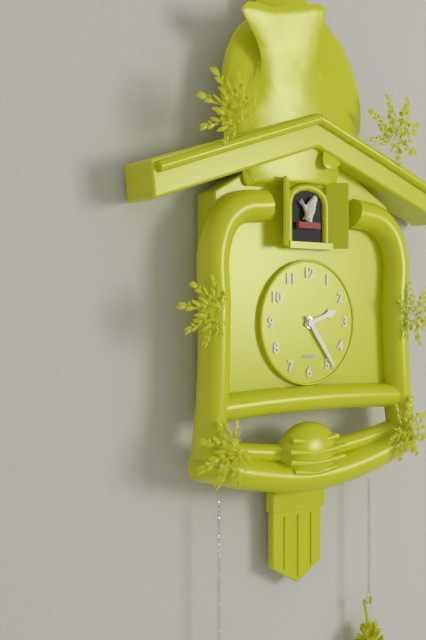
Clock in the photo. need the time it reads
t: 2:24
